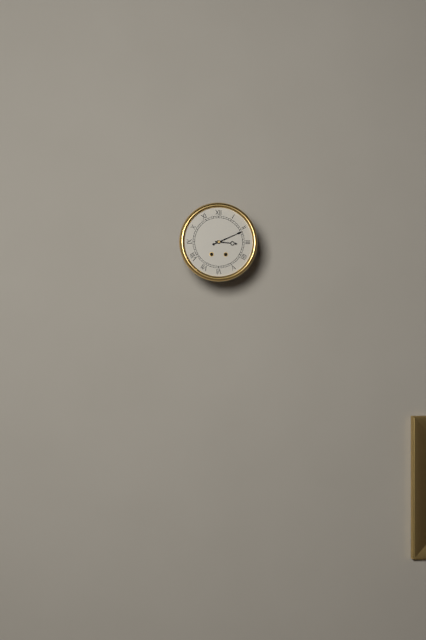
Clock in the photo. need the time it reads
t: 3:11
